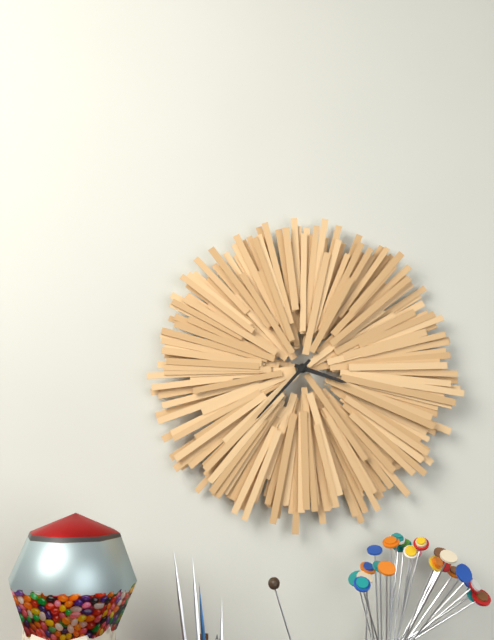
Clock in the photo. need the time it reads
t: 3:37
